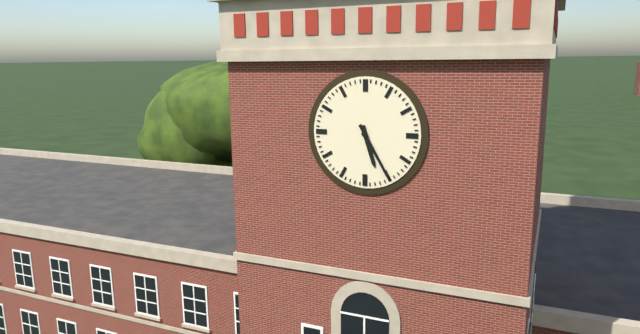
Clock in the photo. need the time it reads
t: 5:25
